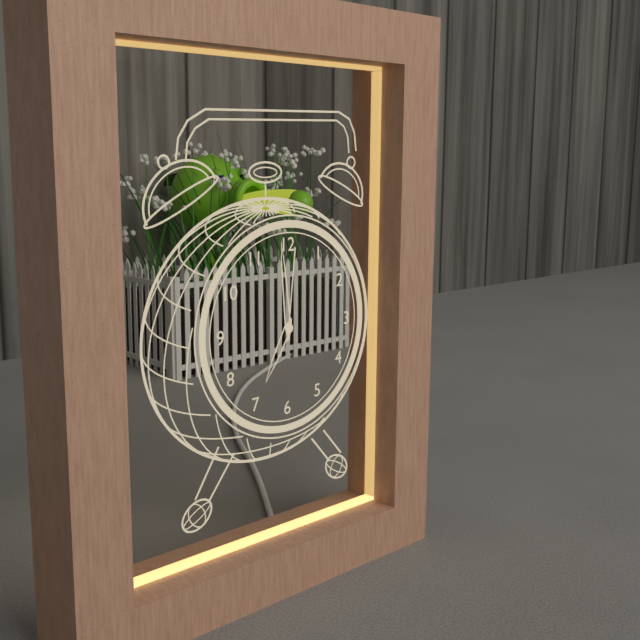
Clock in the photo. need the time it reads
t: 6:59:01
